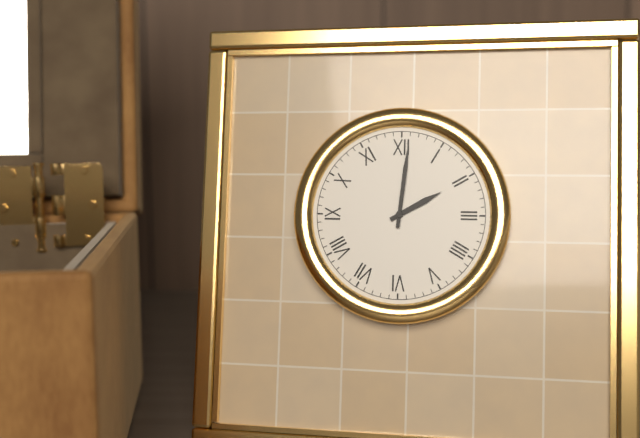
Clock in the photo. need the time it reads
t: 2:01
